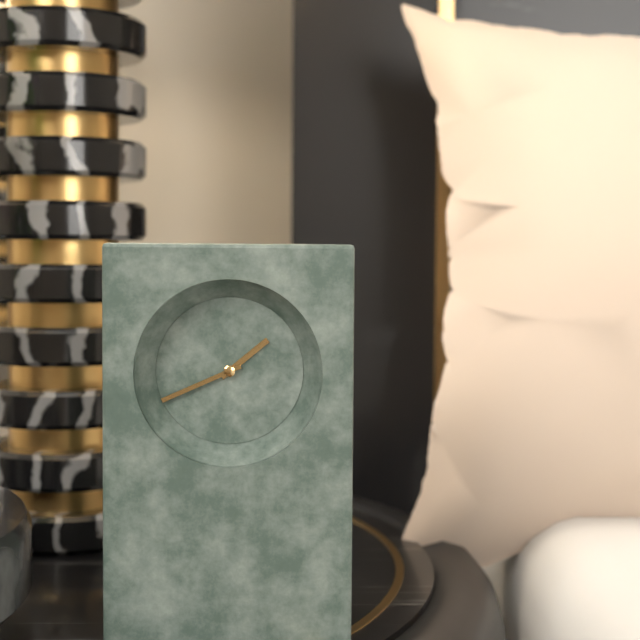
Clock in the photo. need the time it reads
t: 1:41
